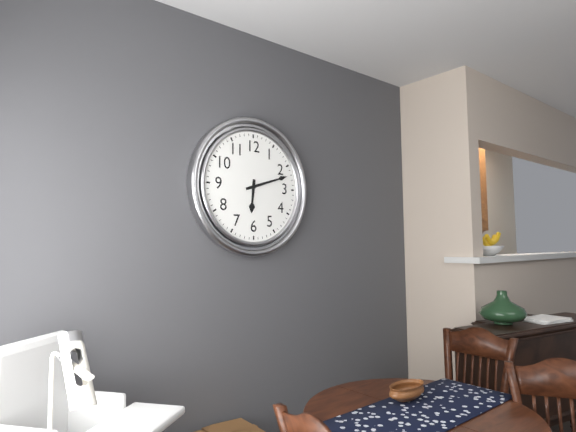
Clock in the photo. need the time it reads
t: 6:12
